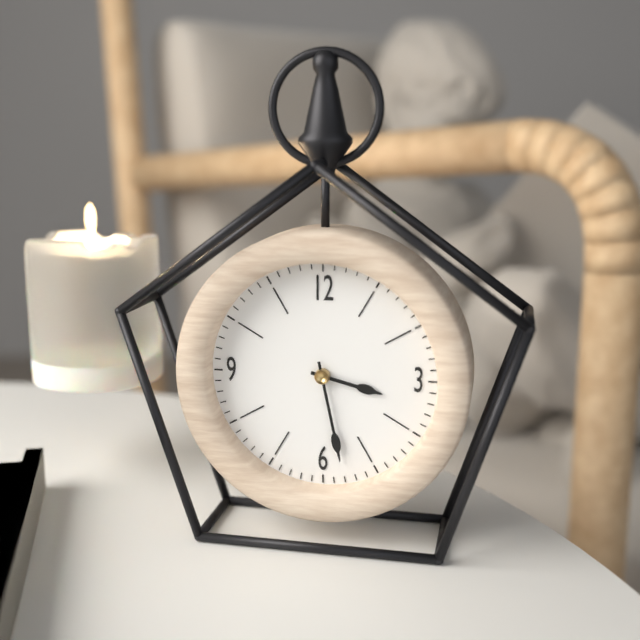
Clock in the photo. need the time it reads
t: 3:28
